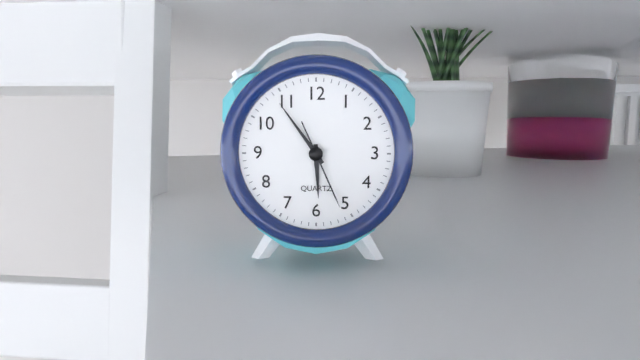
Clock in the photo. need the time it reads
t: 5:54:26
